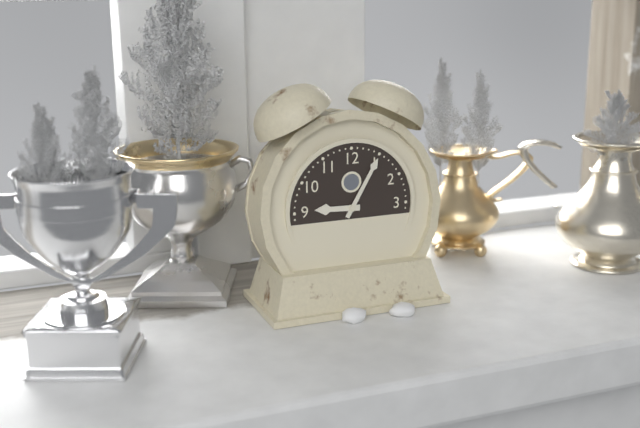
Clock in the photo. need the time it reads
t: 9:05
